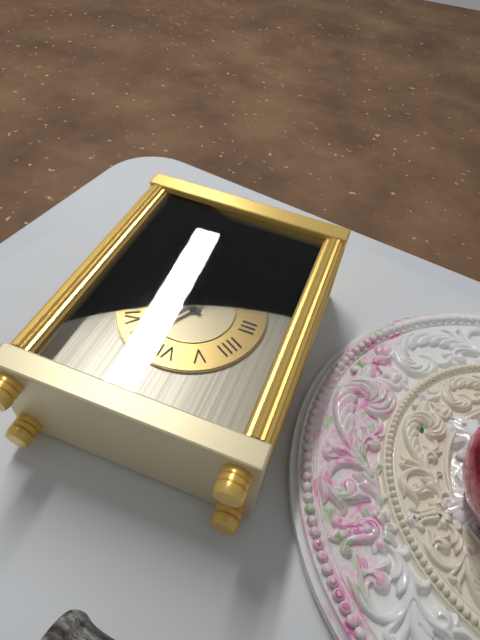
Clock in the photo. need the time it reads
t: 9:35
